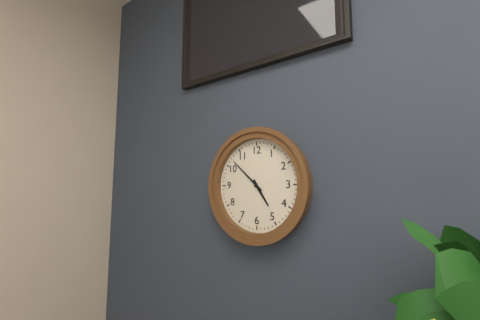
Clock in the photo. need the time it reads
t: 4:52
